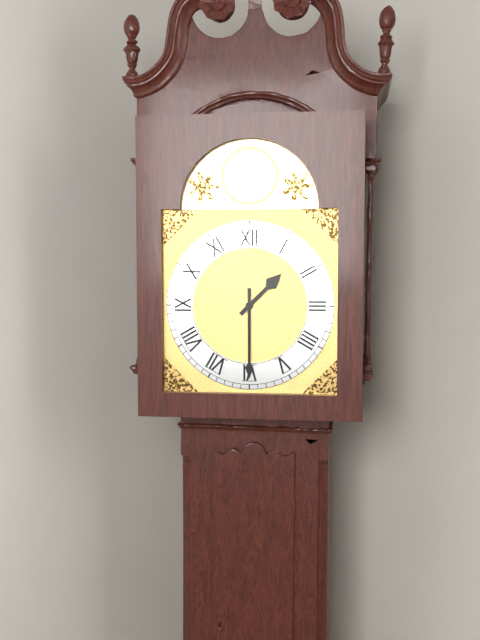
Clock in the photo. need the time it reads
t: 1:30
